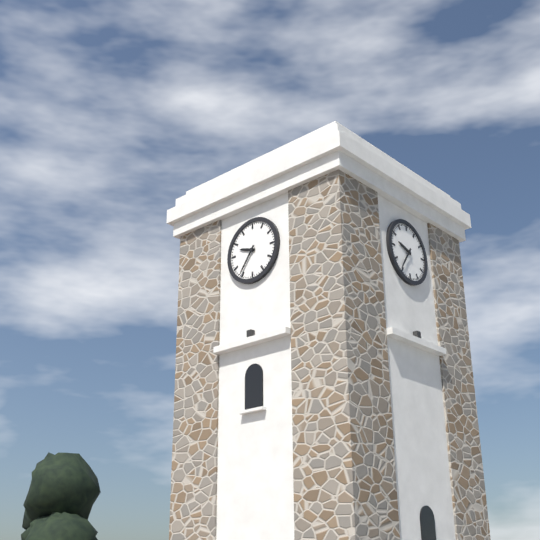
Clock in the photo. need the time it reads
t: 9:36
